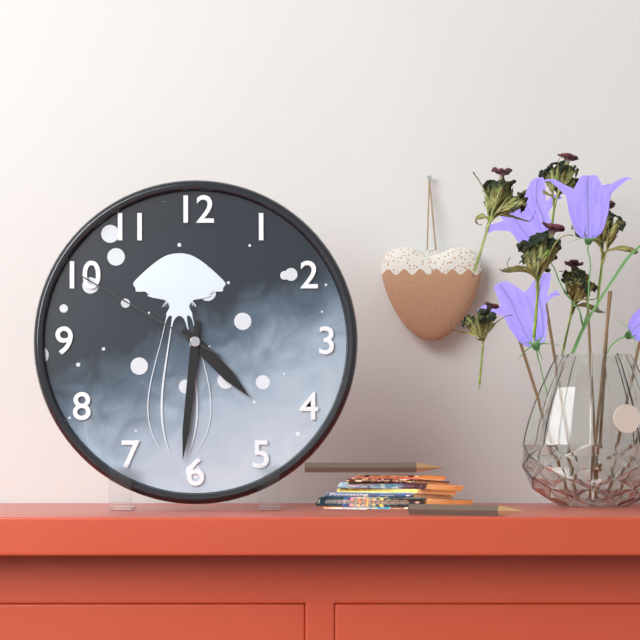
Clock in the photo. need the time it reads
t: 4:31:50
